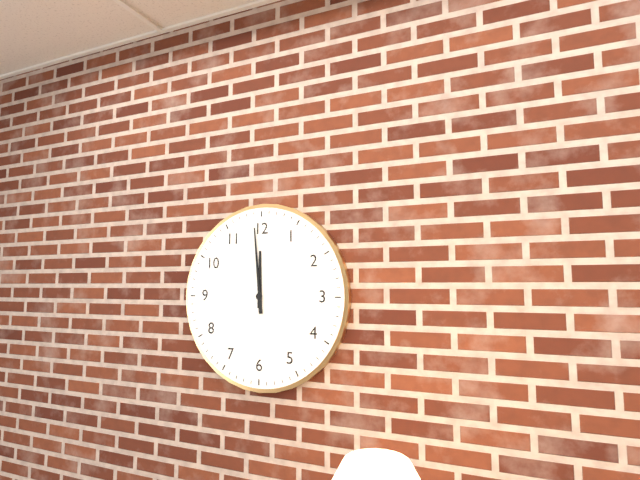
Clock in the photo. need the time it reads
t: 11:59
